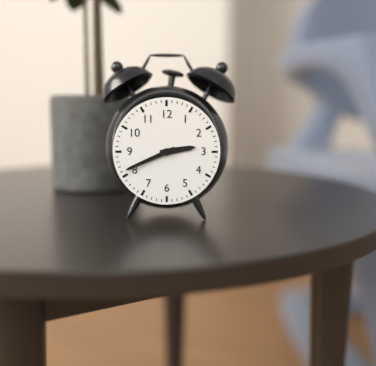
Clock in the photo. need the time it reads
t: 2:41
